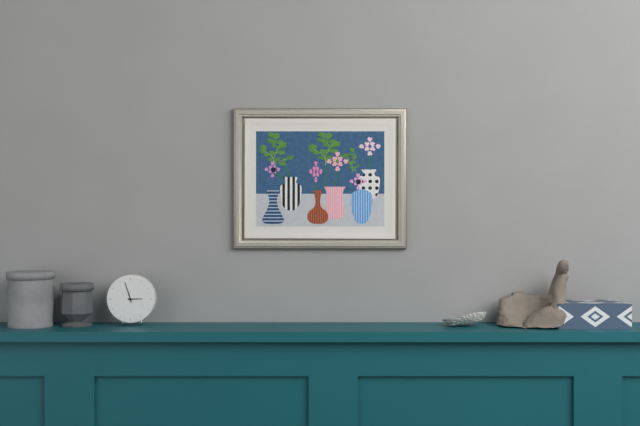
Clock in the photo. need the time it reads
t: 2:57
